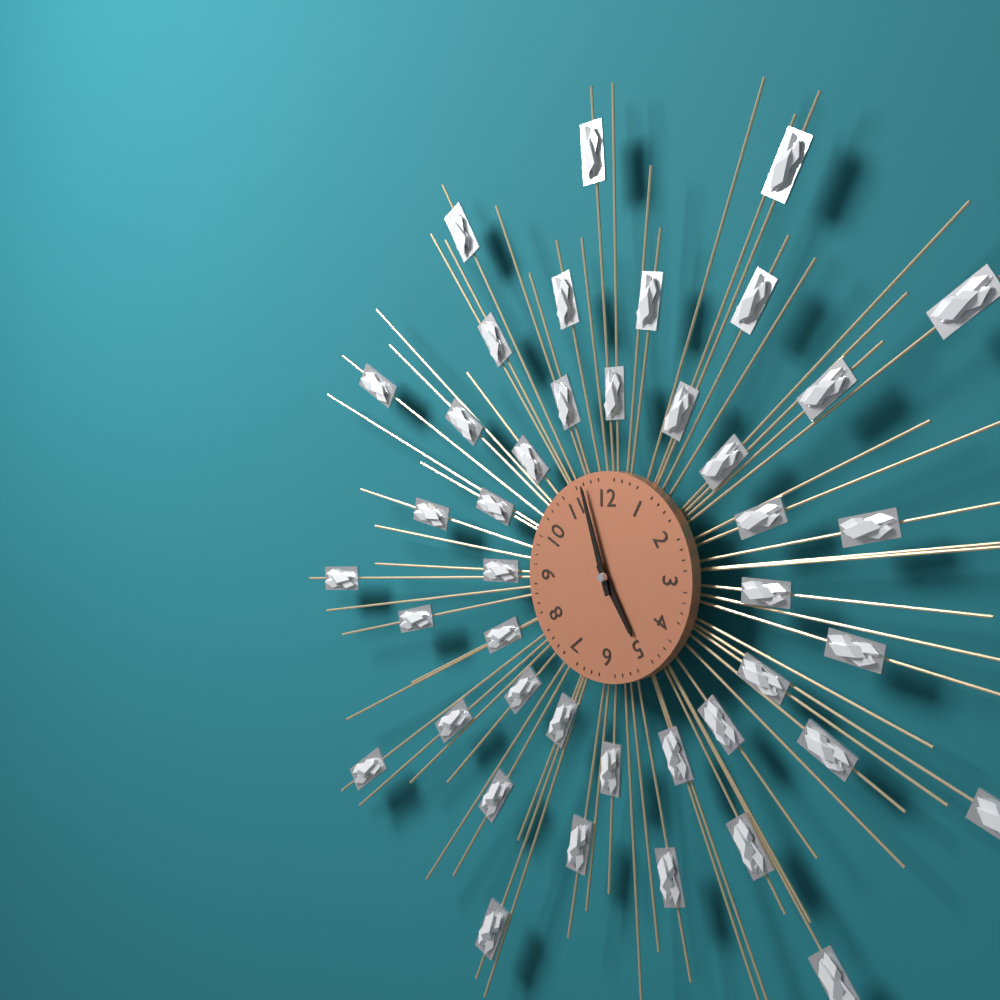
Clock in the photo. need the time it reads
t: 4:57
